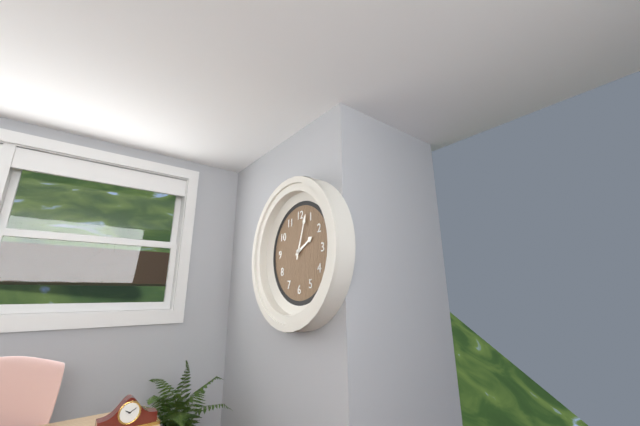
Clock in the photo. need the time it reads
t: 2:03
